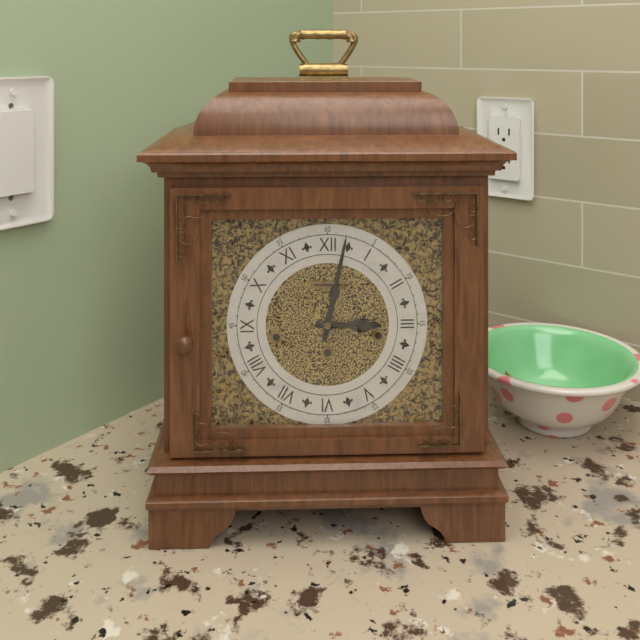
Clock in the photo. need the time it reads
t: 3:02
